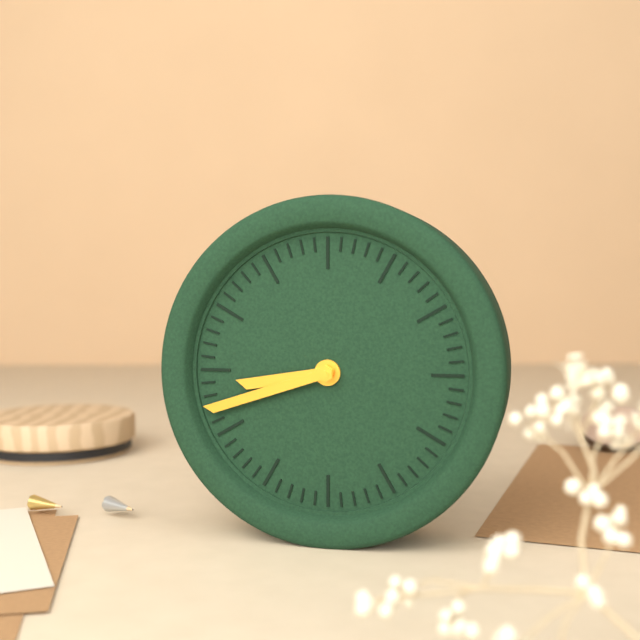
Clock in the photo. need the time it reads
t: 8:42
